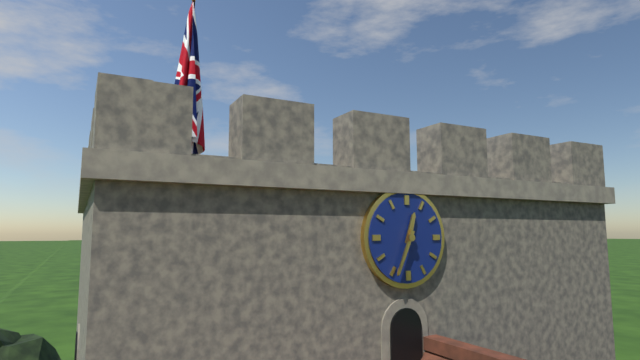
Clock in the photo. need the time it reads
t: 12:34
